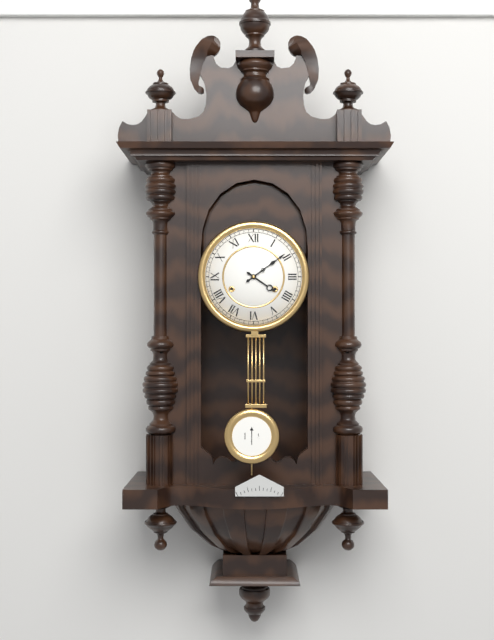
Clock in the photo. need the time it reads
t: 4:09
